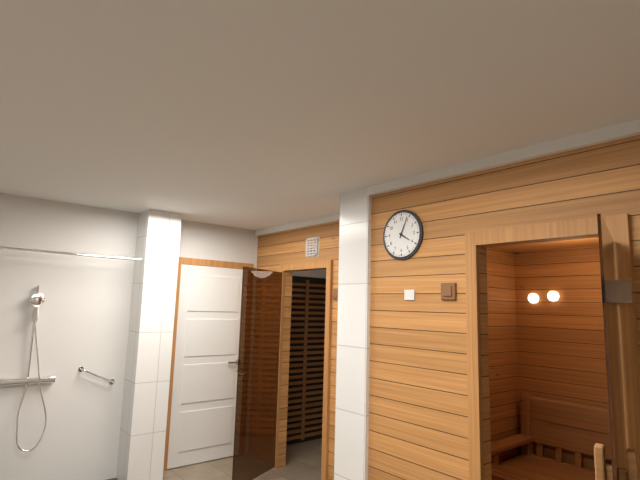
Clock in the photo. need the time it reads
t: 4:04
